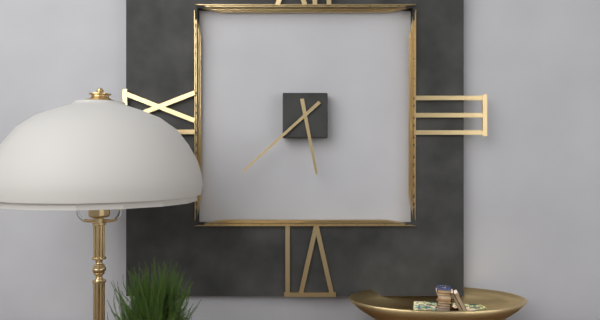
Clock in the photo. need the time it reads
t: 5:38
